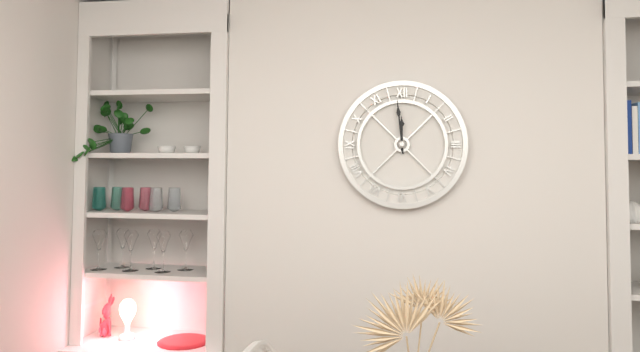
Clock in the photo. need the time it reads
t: 11:59
